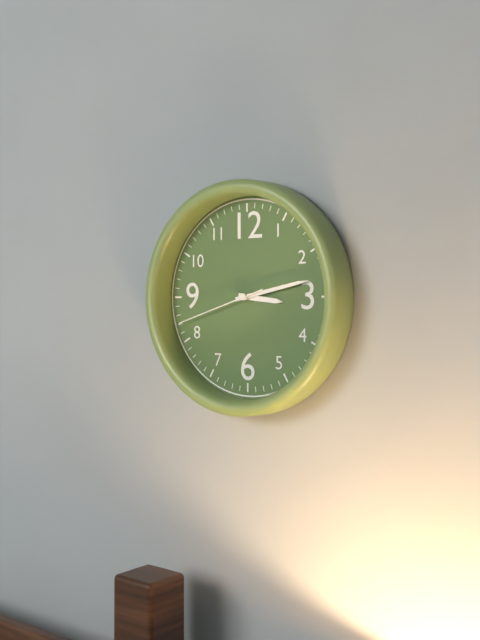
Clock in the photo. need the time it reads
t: 3:13:42
